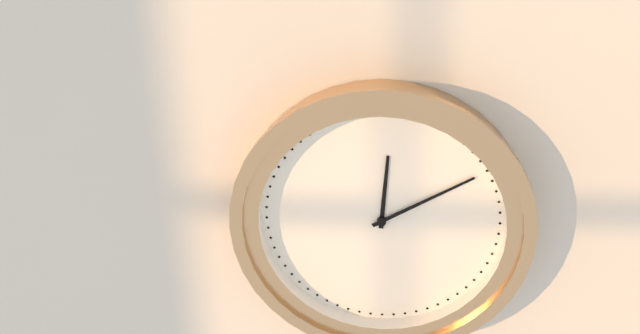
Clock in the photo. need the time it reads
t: 12:10
